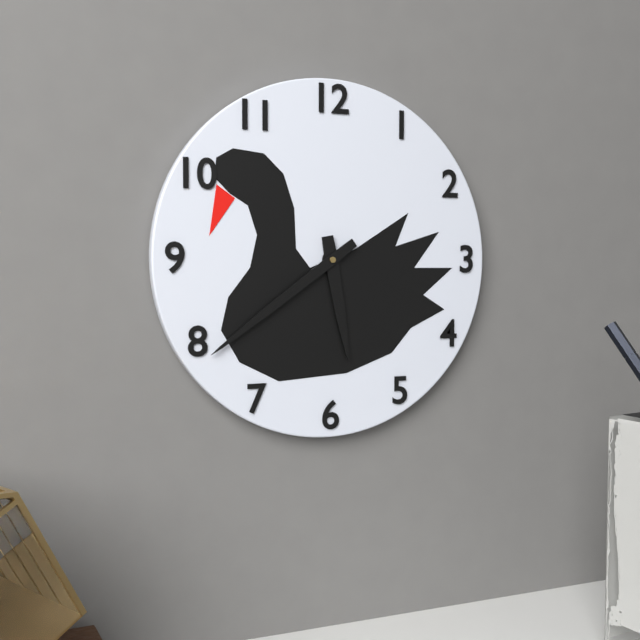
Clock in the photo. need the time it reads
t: 5:39
